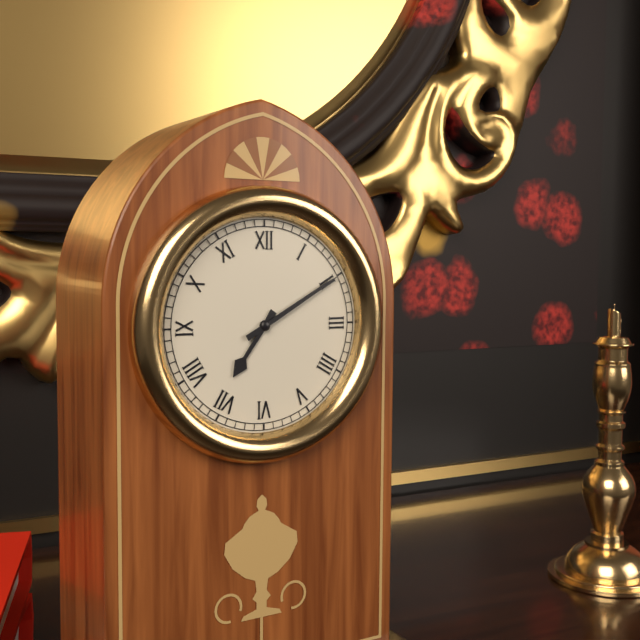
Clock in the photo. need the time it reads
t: 7:10
